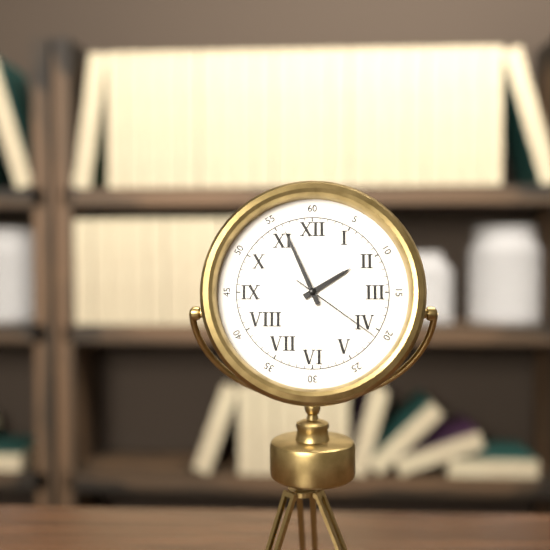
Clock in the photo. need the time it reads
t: 1:56:21
